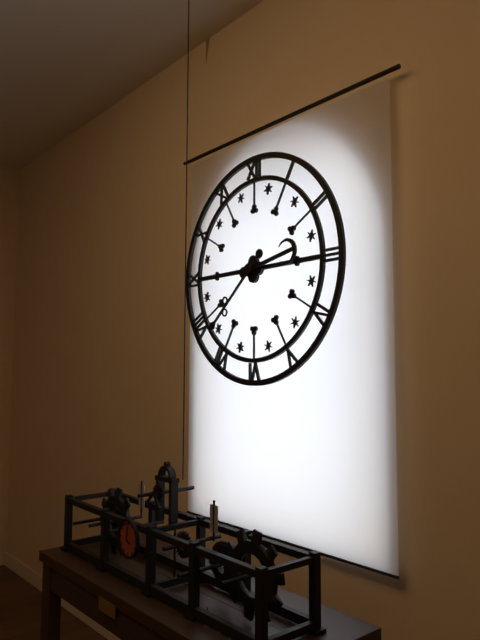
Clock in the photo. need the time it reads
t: 2:38
